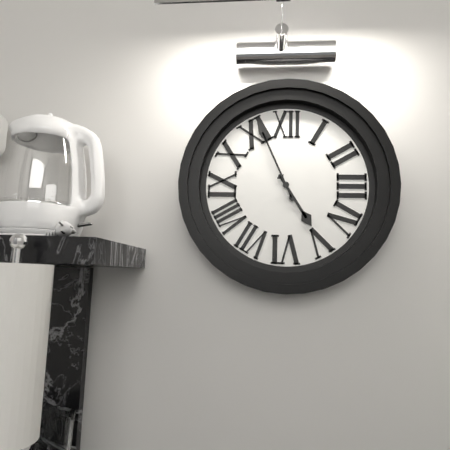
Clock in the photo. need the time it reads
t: 4:56
